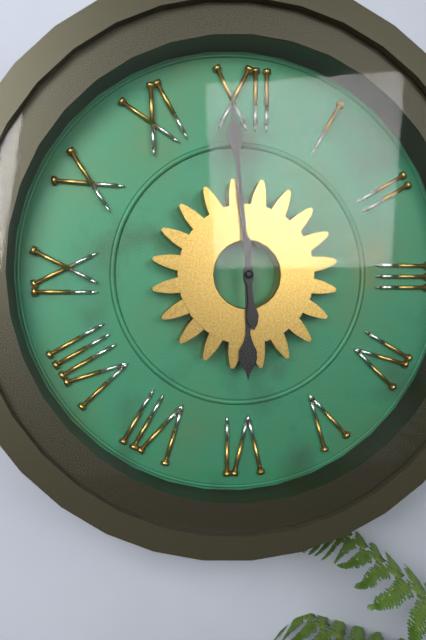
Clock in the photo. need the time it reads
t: 5:59
